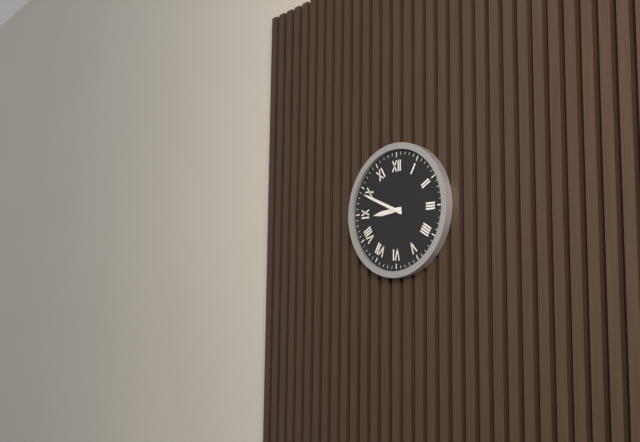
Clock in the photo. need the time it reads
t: 8:49
